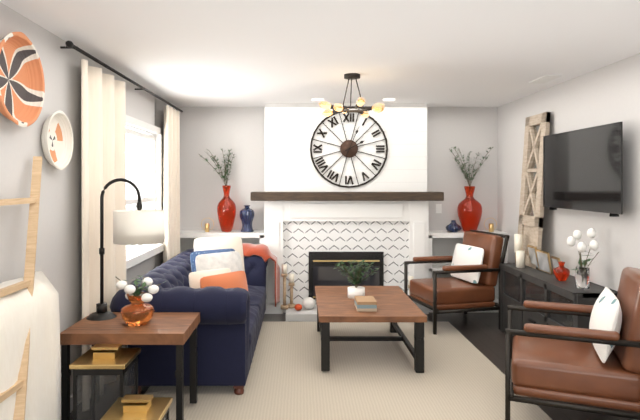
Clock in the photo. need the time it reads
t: 2:04
